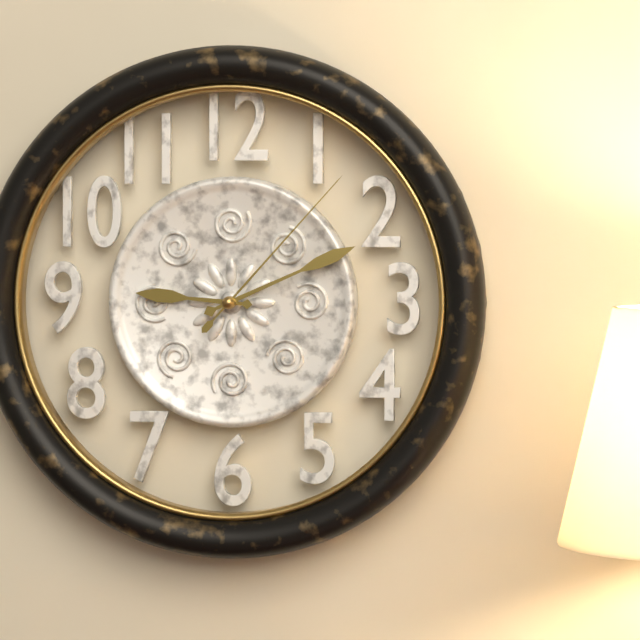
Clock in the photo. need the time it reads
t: 9:11:07
